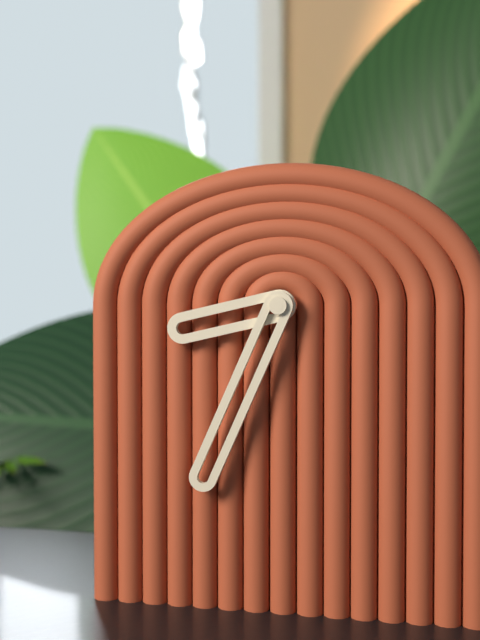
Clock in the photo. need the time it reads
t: 8:34
